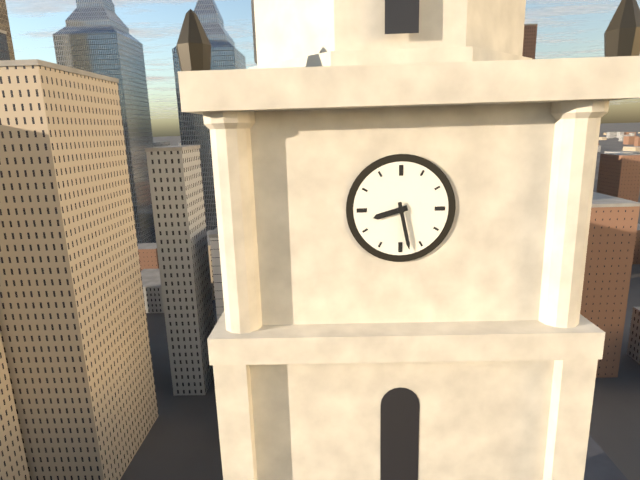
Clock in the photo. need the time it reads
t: 8:28
